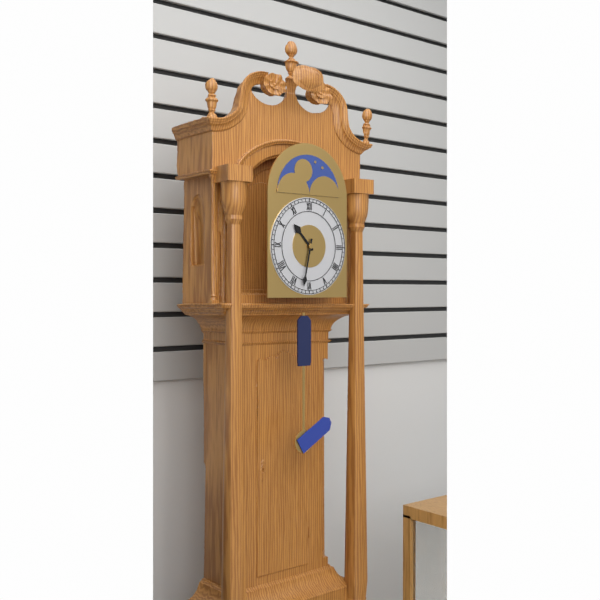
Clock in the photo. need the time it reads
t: 10:32
